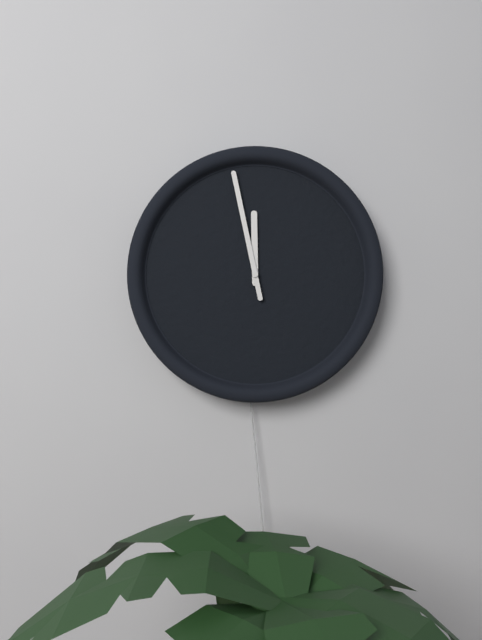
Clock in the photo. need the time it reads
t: 11:58
